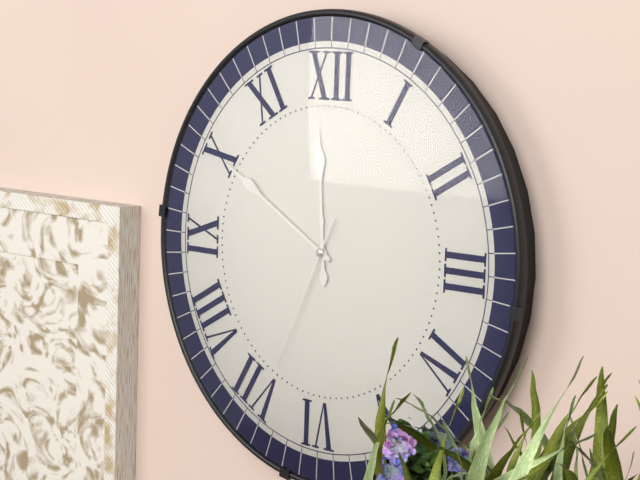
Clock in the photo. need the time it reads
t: 11:50:34
